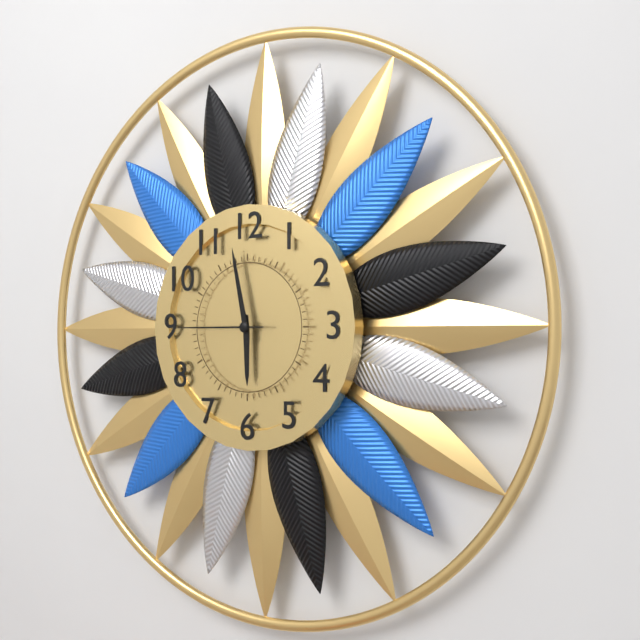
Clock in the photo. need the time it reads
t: 5:58:45
